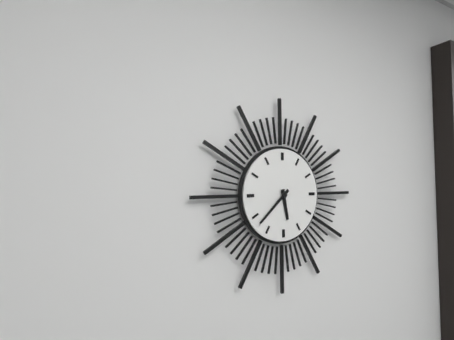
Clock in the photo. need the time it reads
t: 5:38
